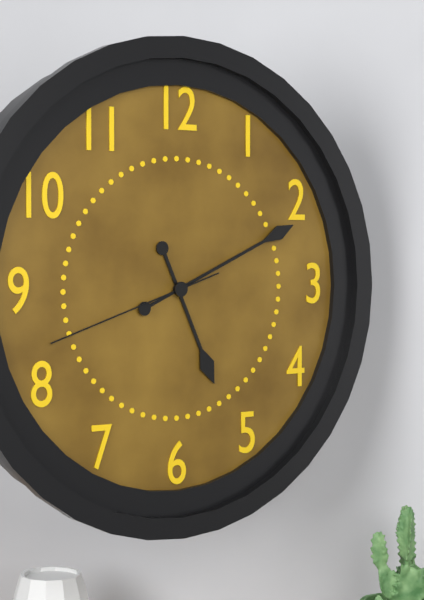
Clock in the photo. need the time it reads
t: 5:11:42
